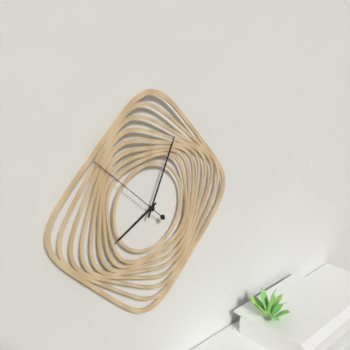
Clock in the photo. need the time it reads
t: 8:04:52
